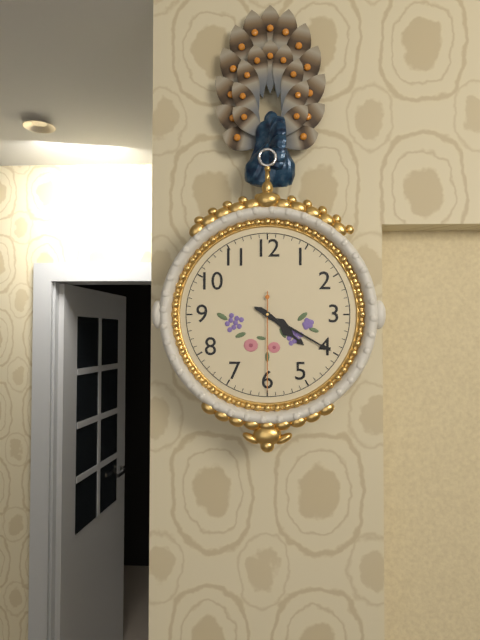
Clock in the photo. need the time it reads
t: 4:20:30
